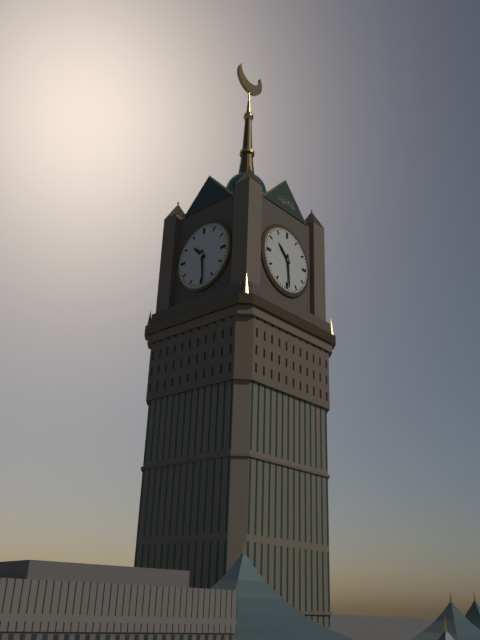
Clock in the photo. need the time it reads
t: 10:29
